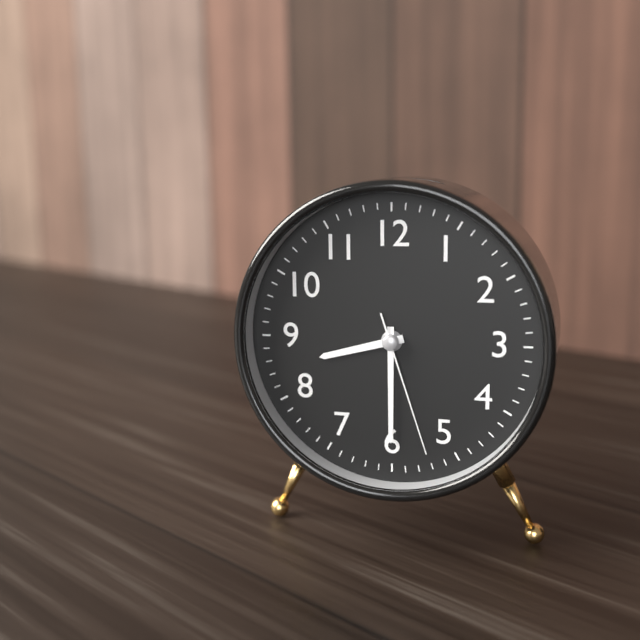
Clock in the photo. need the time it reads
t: 8:30:27
